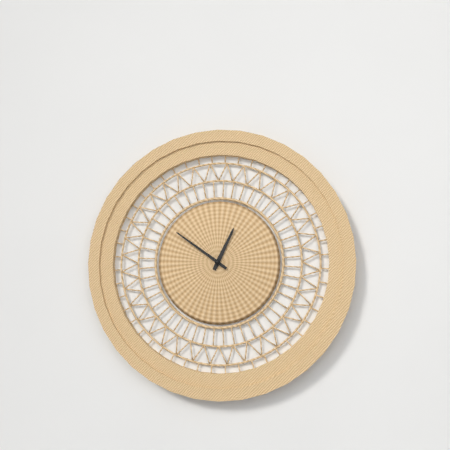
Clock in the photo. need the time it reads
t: 12:51
